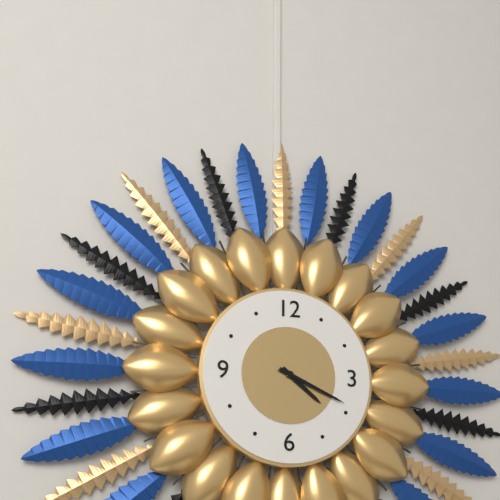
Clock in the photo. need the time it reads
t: 4:19
